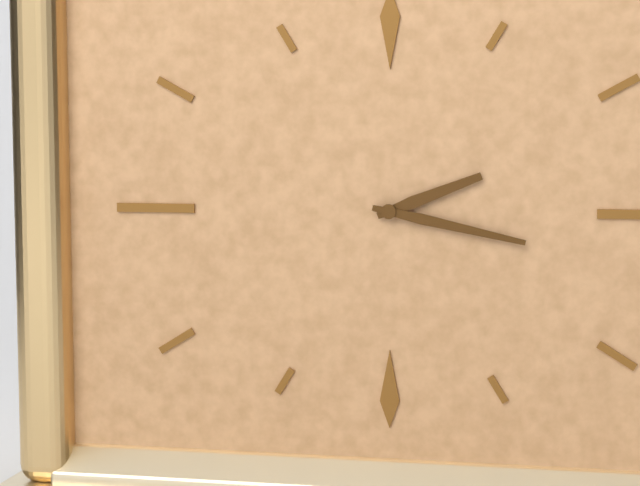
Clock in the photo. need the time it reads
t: 2:17
